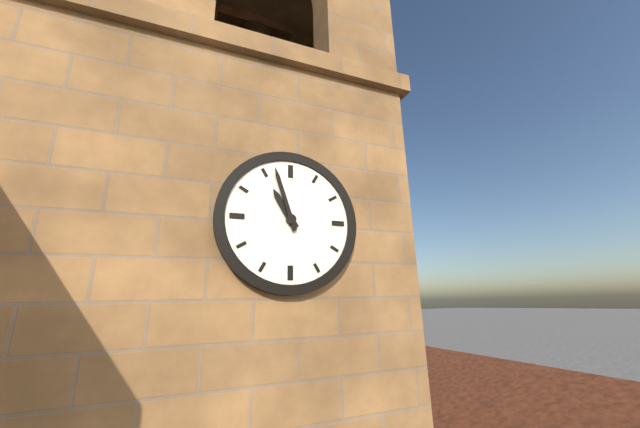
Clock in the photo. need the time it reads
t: 10:57
